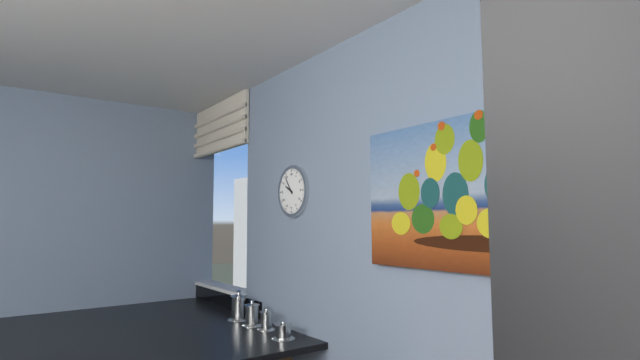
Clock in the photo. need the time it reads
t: 9:54
